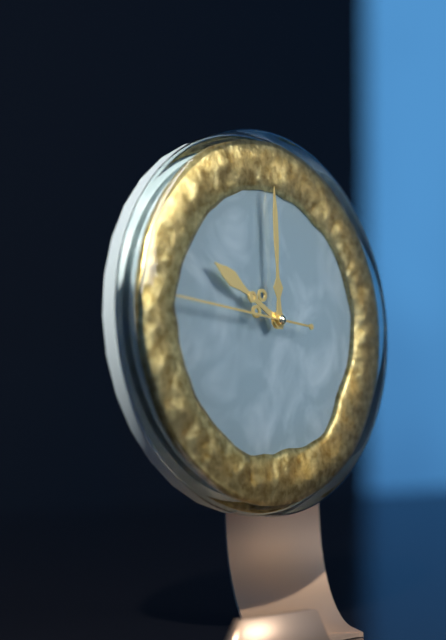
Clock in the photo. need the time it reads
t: 10:00:46
